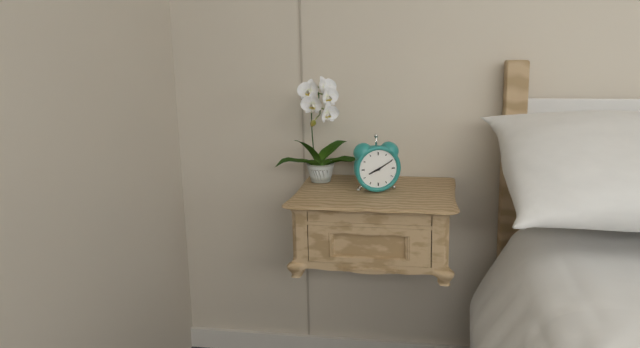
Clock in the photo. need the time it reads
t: 8:10
